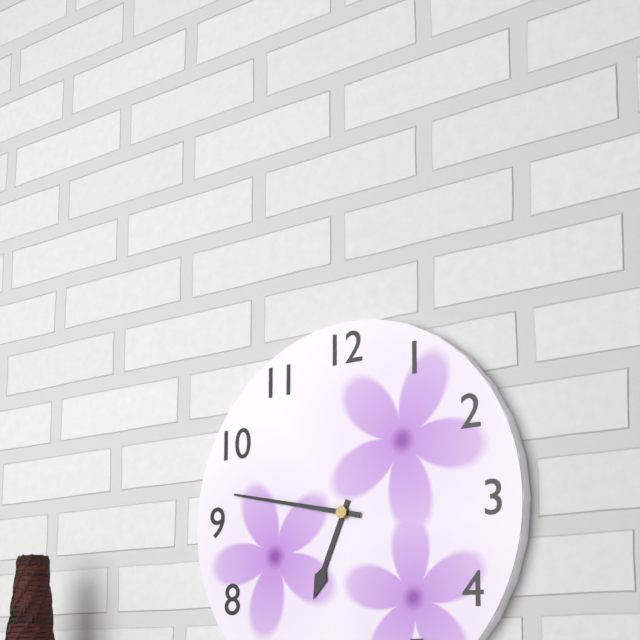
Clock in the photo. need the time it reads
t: 6:47
